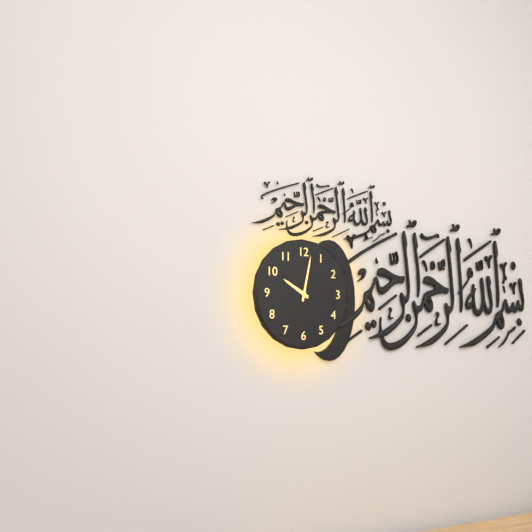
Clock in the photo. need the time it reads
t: 10:02
